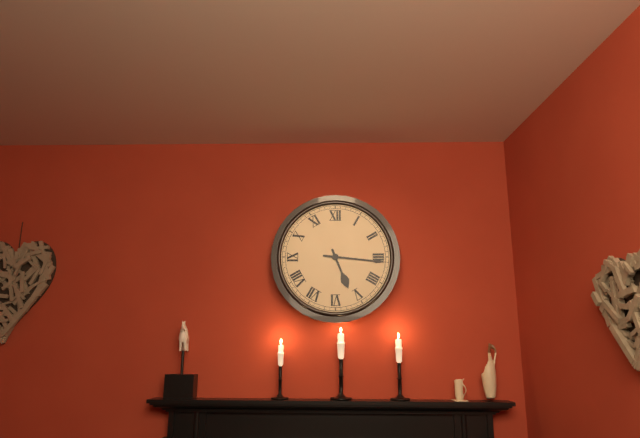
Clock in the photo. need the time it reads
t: 5:16
